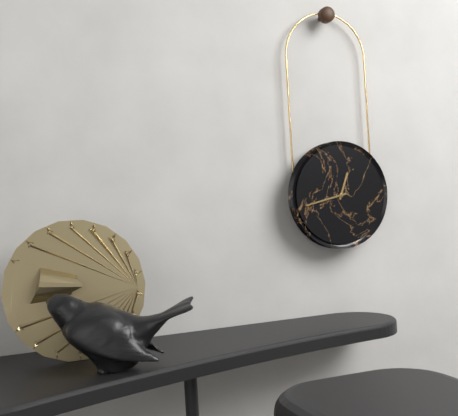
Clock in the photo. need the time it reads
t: 12:43
